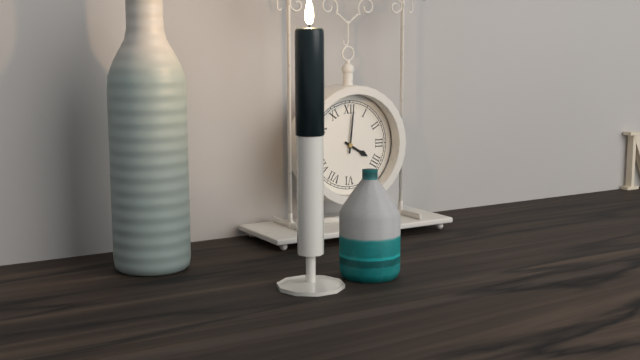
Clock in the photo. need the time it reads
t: 4:01
